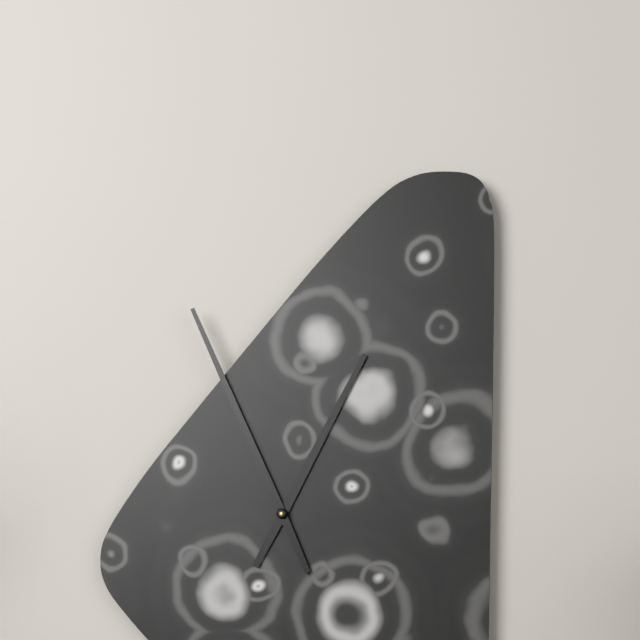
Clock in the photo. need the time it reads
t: 12:56
